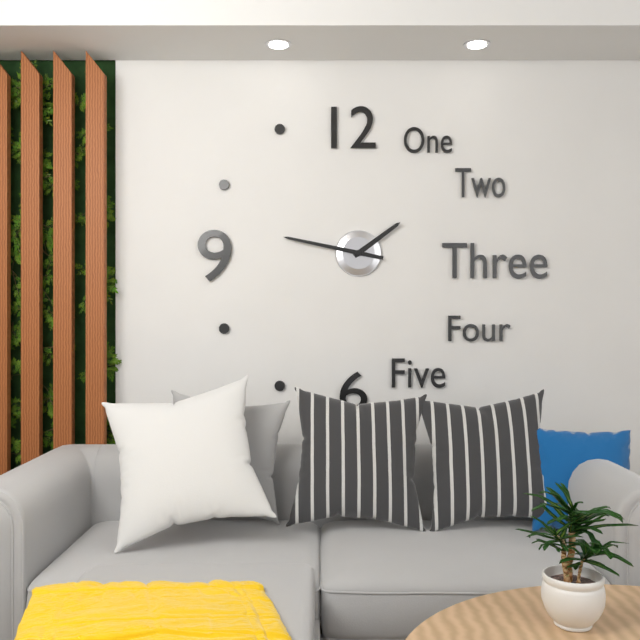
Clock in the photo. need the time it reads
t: 1:47
